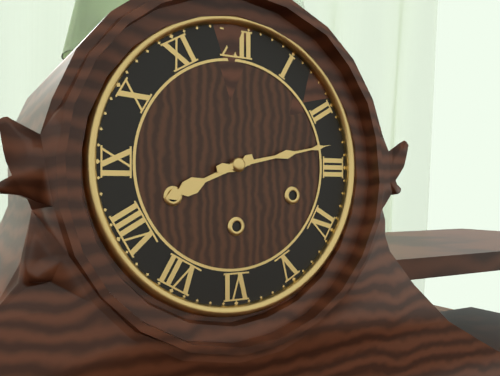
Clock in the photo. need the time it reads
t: 8:13
